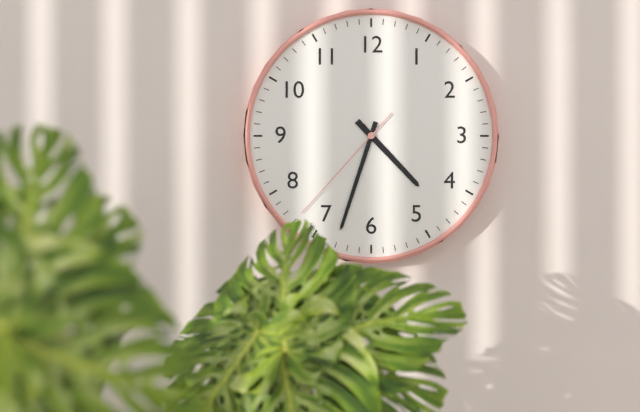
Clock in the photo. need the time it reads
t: 4:33:37
